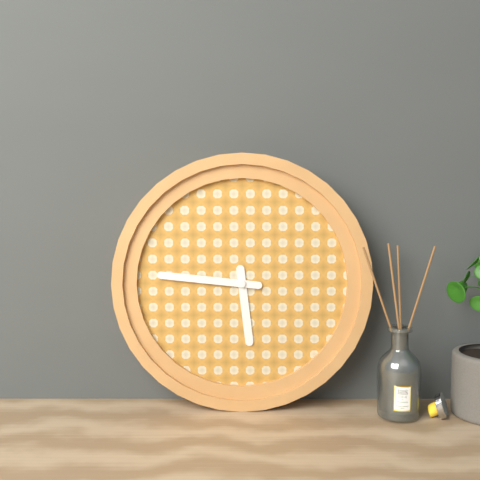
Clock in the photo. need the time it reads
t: 5:46
